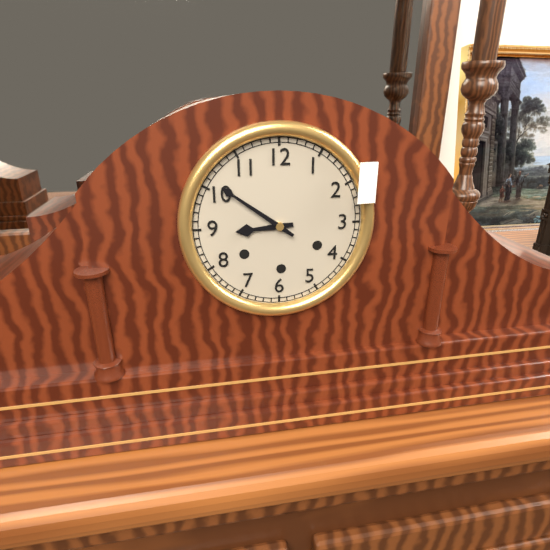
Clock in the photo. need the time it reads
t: 8:51
